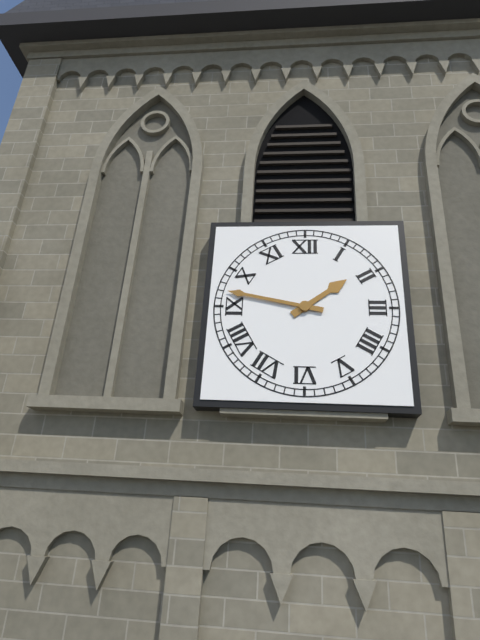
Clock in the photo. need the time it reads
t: 1:47
